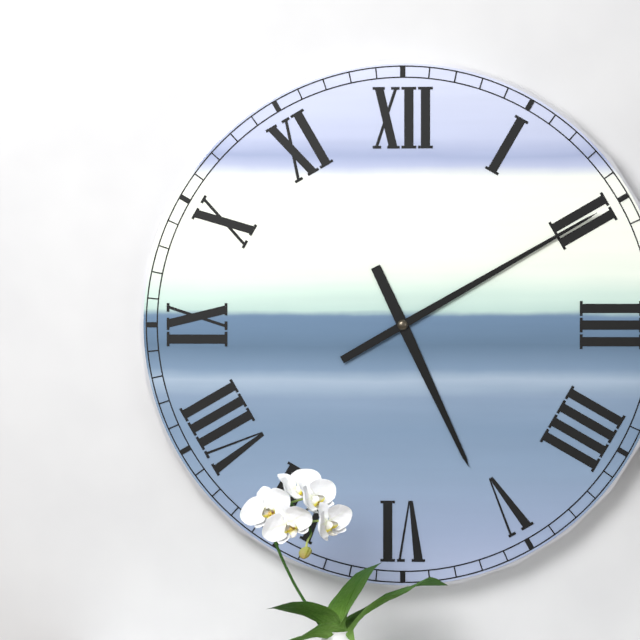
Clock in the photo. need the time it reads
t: 5:10
